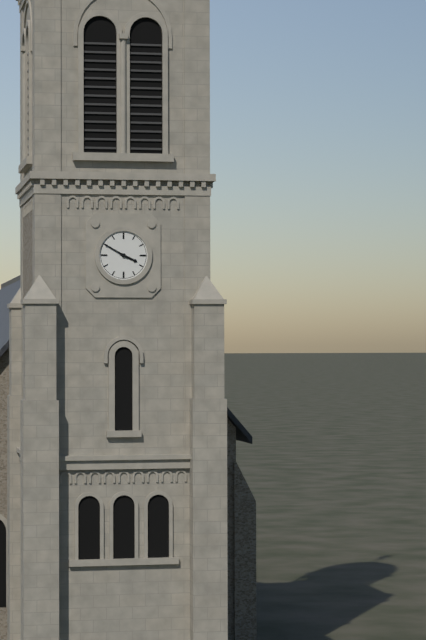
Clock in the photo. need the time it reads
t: 3:50
